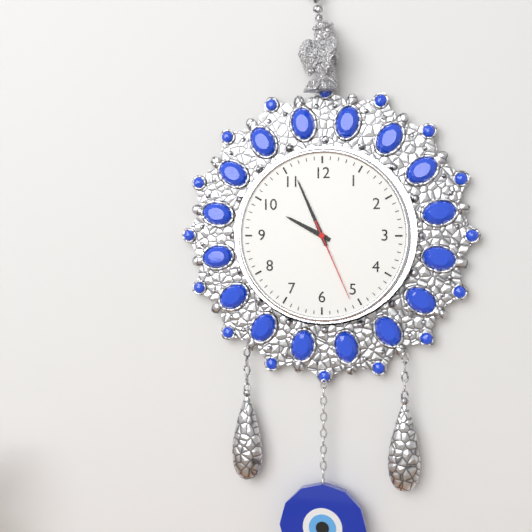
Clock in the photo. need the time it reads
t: 9:56:26
